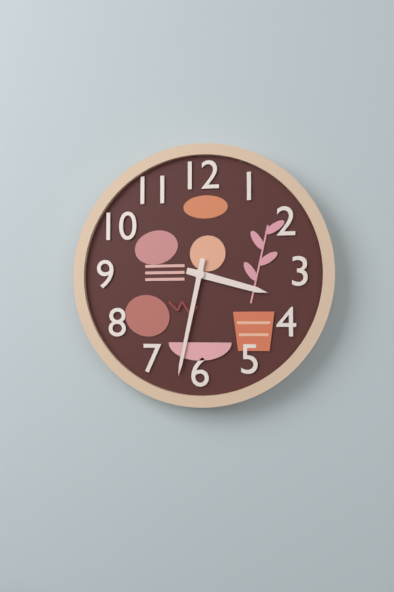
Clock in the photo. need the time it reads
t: 3:32
